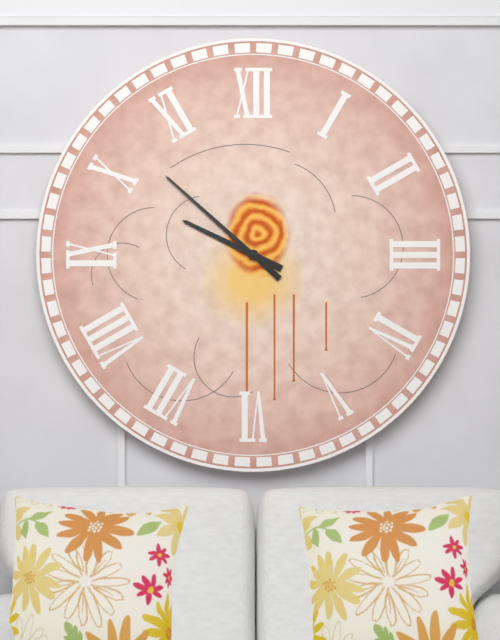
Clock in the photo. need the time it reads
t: 9:52
